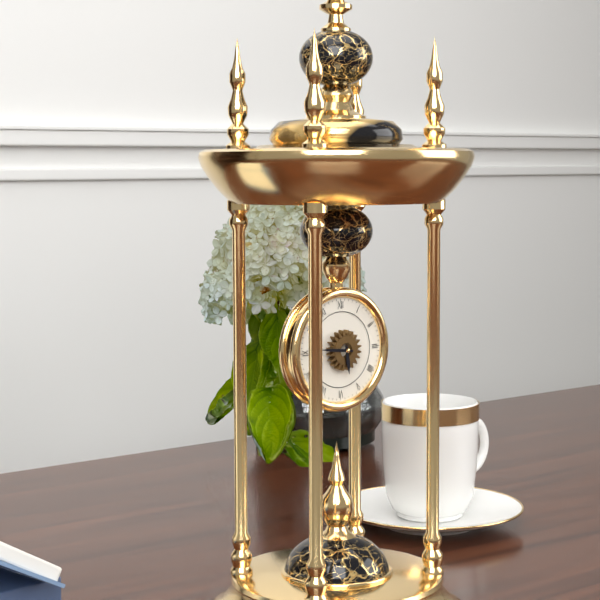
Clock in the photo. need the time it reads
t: 5:46
